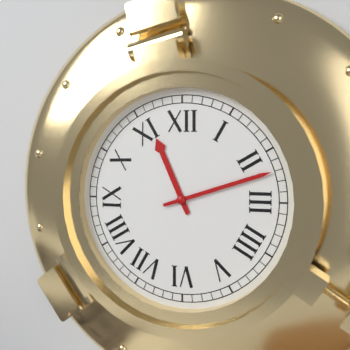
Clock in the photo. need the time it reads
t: 11:12
